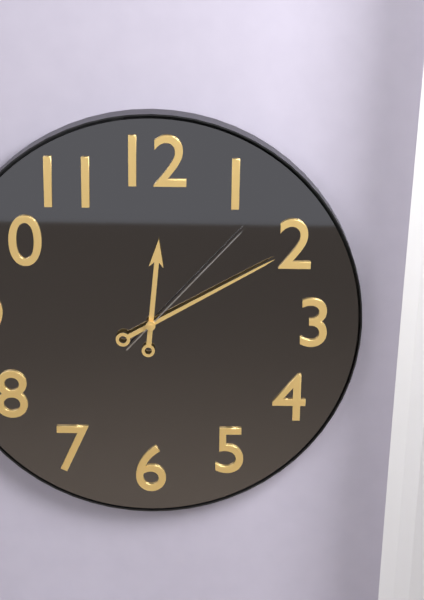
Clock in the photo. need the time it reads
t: 12:10:07
